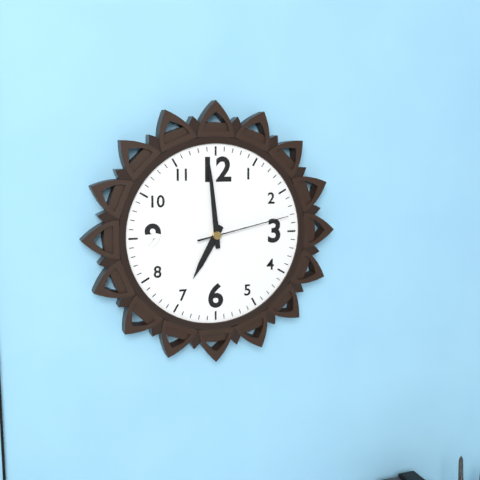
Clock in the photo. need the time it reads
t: 6:59:13
